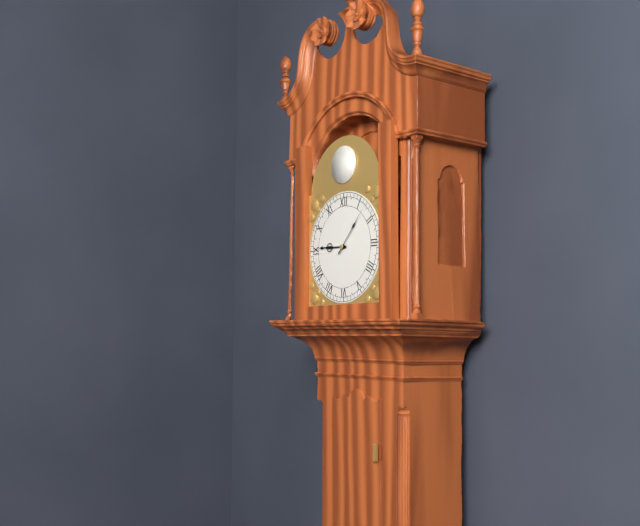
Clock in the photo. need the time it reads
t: 9:07
